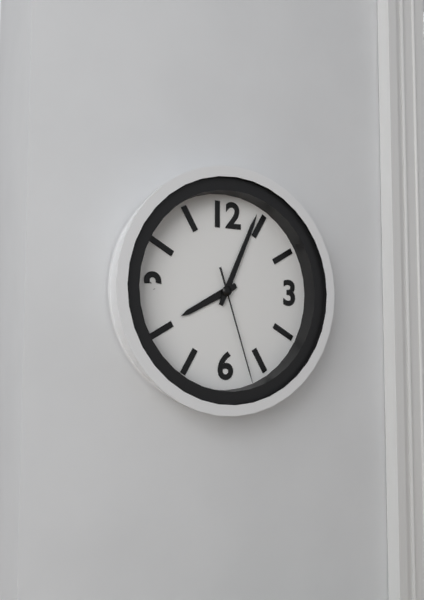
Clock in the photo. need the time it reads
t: 8:04:27
